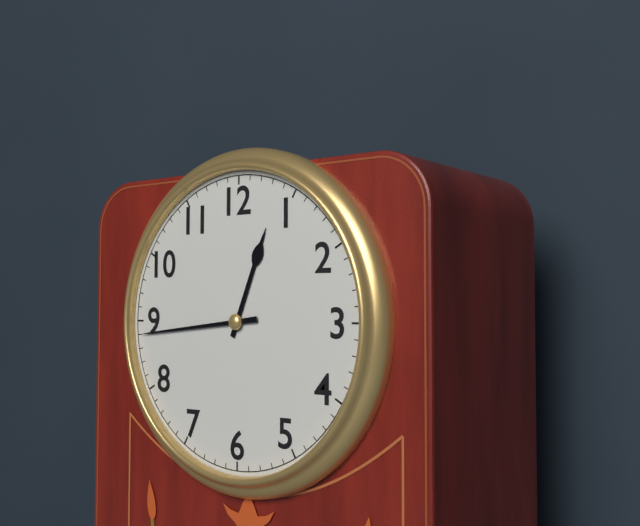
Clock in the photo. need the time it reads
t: 12:44
